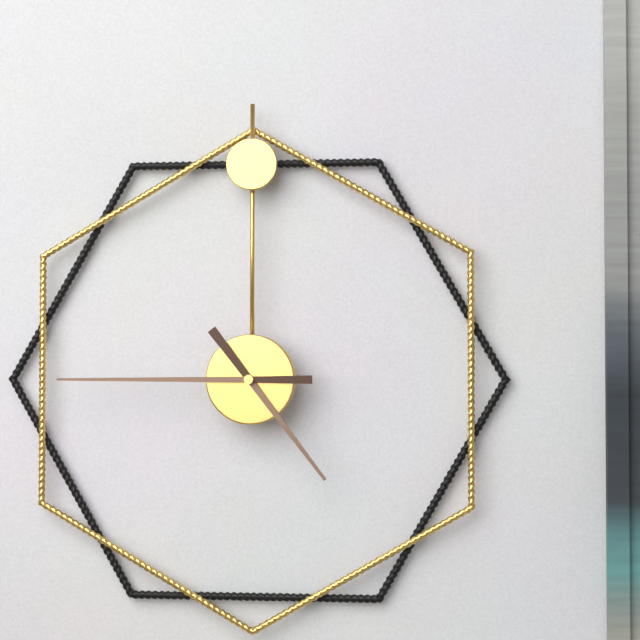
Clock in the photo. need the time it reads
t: 4:45
